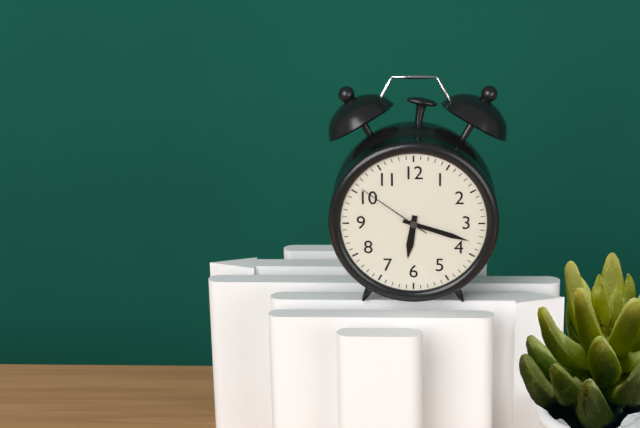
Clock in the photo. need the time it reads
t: 6:18:51
